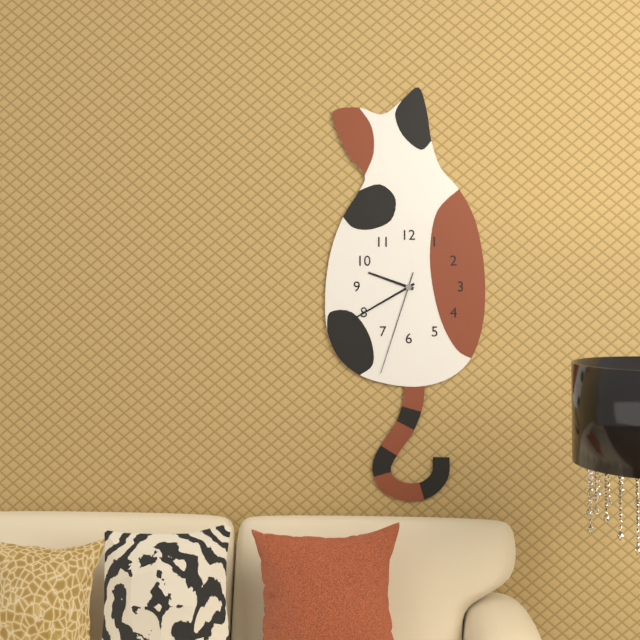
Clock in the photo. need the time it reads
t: 9:40:33
